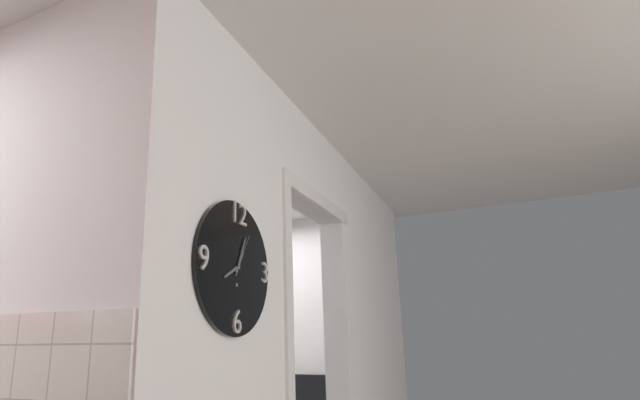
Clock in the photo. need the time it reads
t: 8:04
